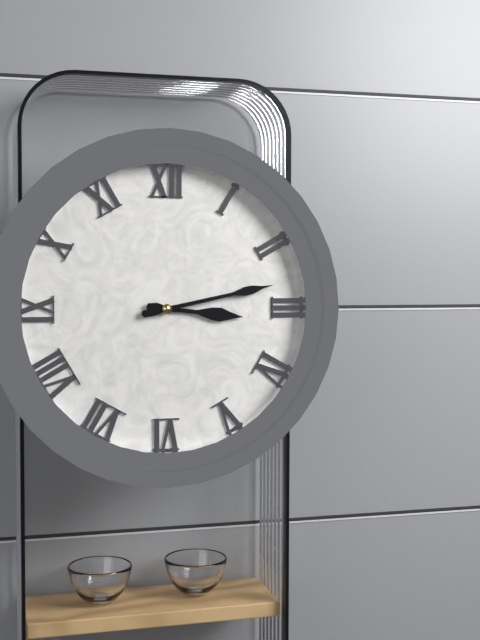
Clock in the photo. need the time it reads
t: 3:13
